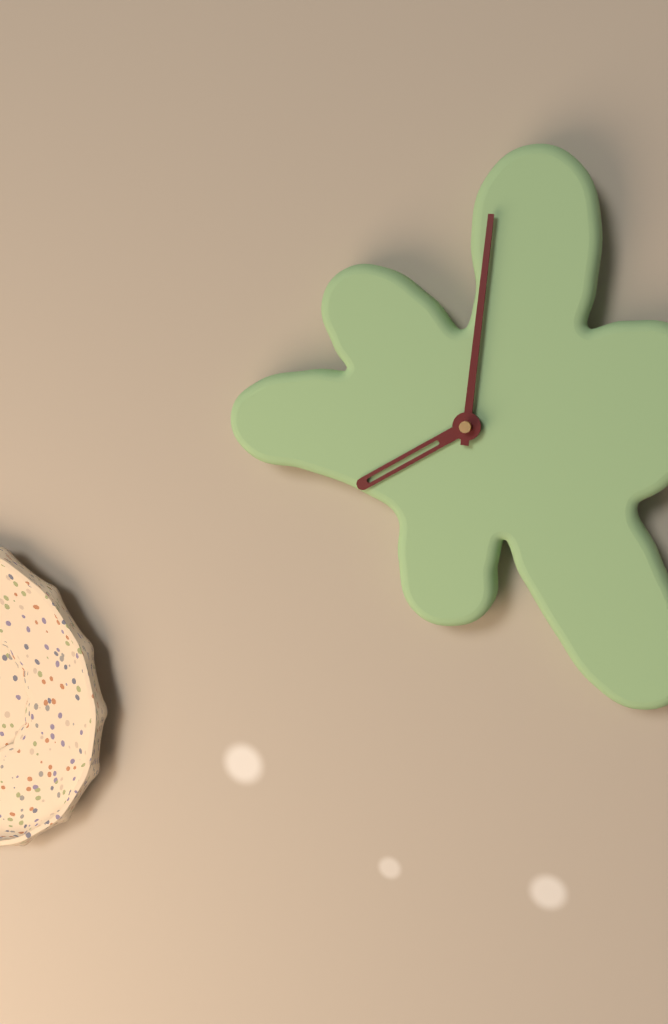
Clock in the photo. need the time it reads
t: 8:01
